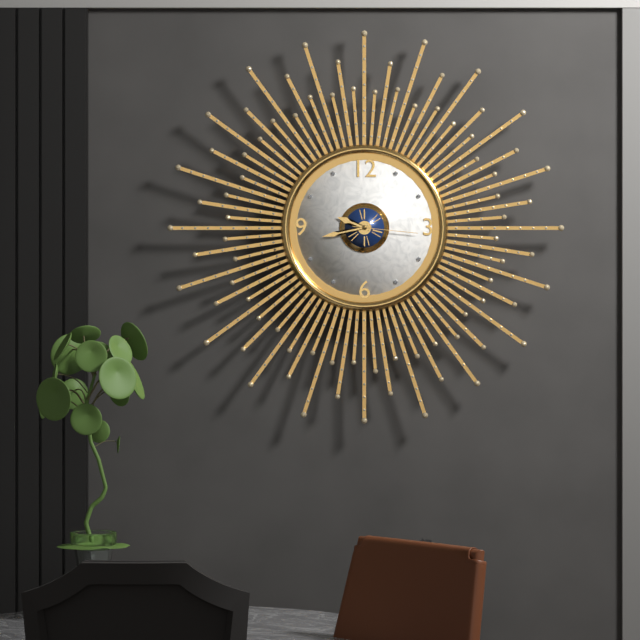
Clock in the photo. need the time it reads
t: 9:43:16
